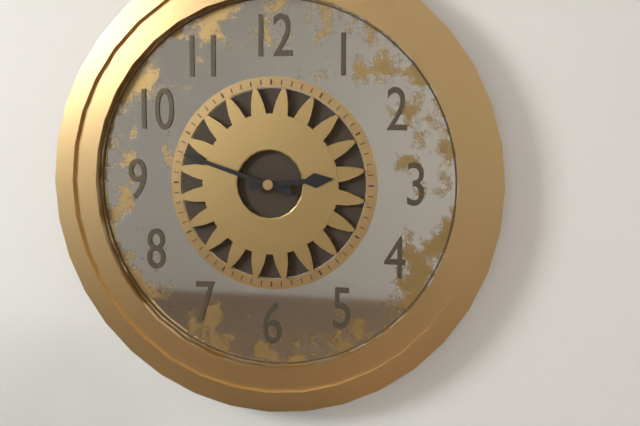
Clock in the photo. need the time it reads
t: 2:48
